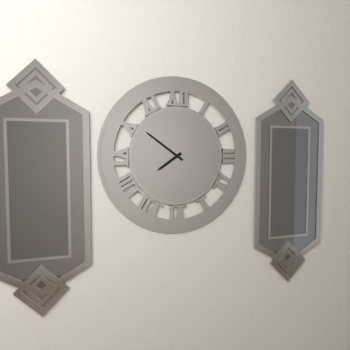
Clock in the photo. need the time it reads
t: 7:51
